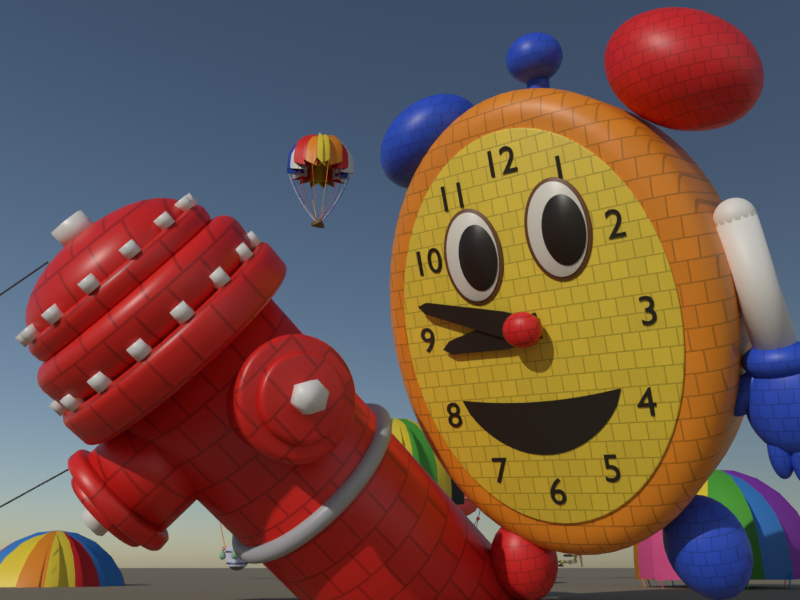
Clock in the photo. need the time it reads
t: 8:48
